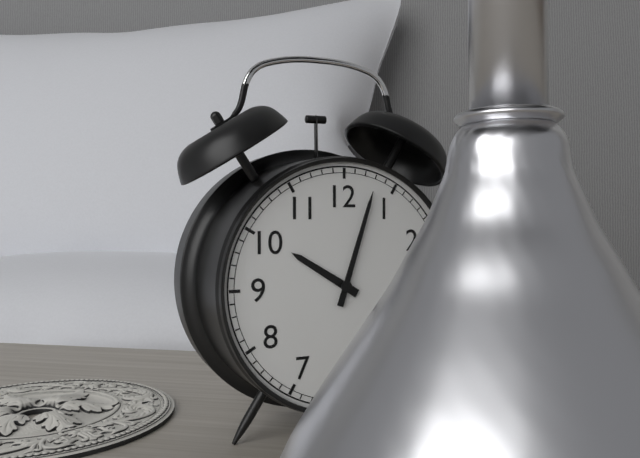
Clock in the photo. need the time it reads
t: 10:03
